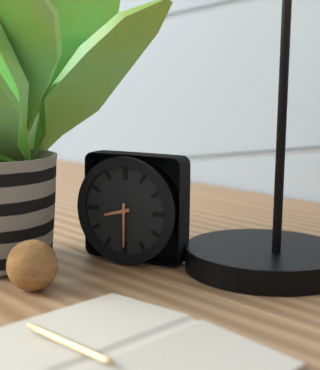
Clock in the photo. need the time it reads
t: 8:30
